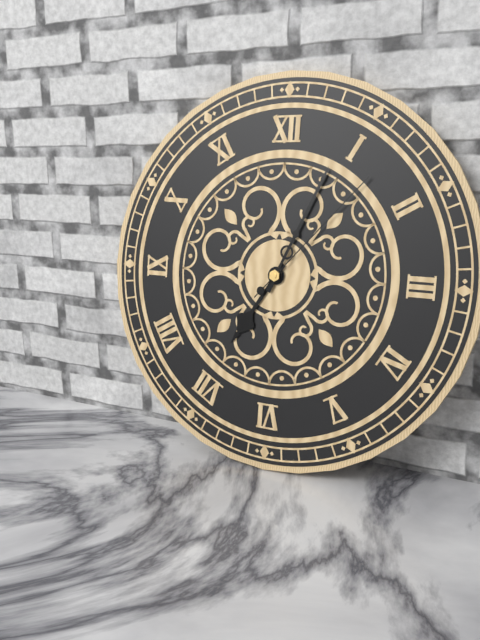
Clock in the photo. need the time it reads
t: 7:04:07
